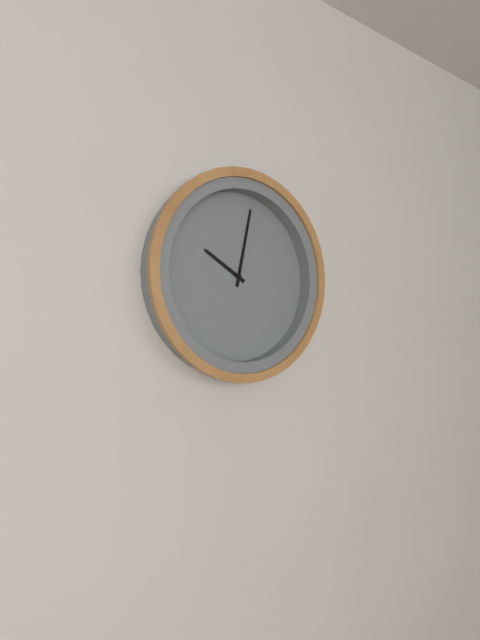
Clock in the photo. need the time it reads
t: 10:02
